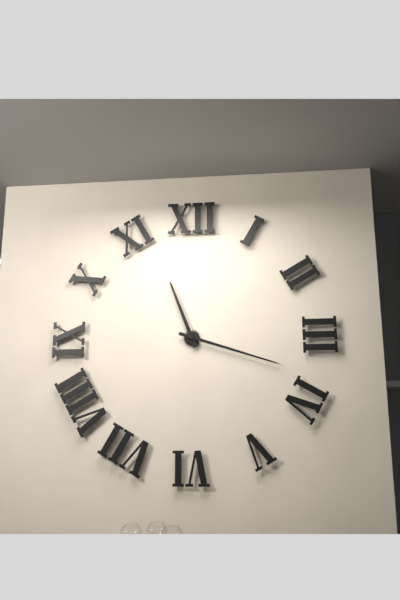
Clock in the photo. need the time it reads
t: 11:18
